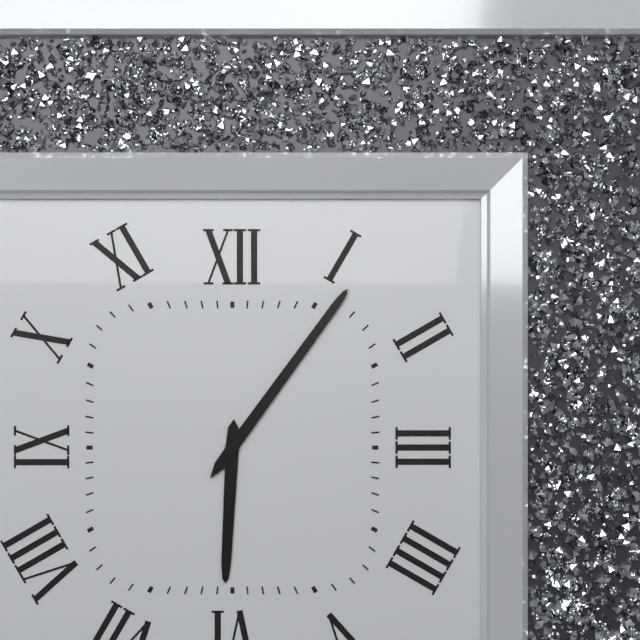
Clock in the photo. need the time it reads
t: 6:06
